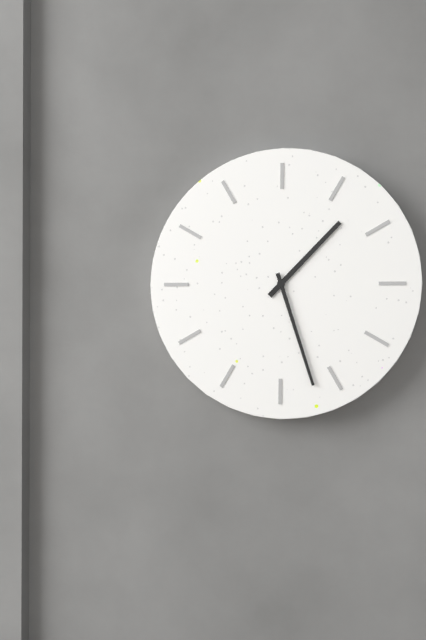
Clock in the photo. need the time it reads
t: 1:27
